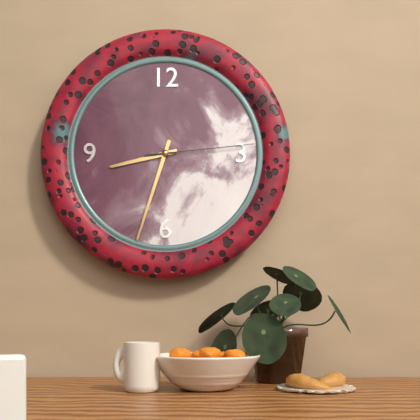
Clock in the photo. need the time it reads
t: 8:33:14
